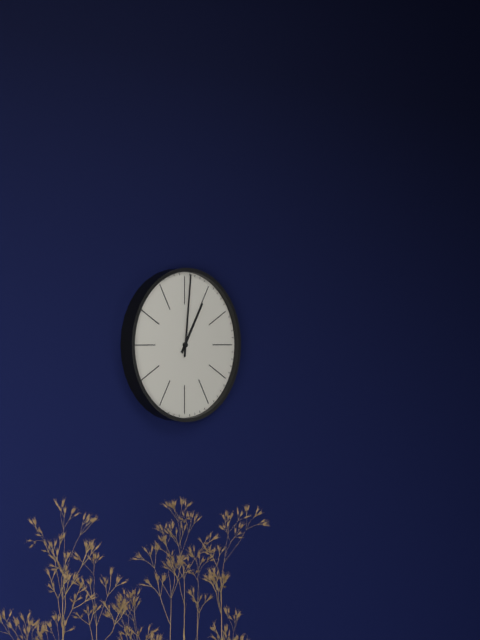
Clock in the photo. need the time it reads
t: 1:01
